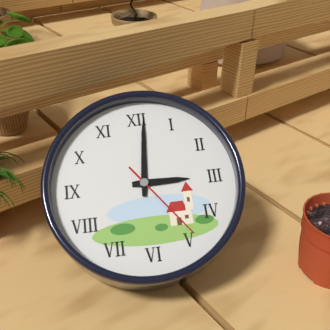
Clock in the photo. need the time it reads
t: 3:01:24
